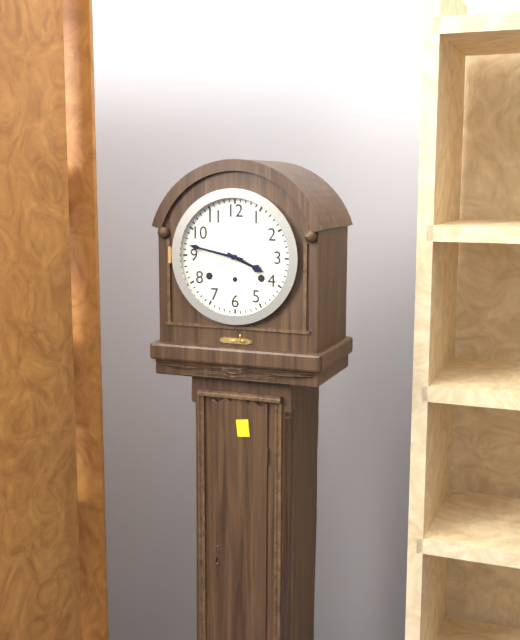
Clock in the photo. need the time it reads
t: 3:47
